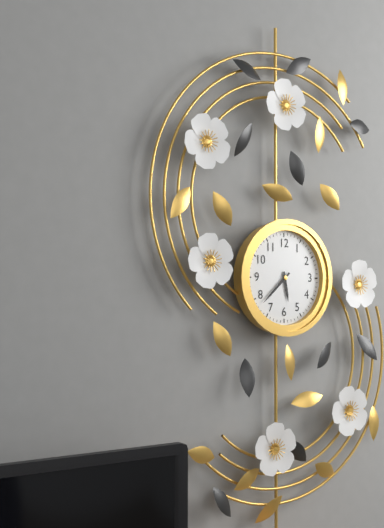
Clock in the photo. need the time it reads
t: 5:38
